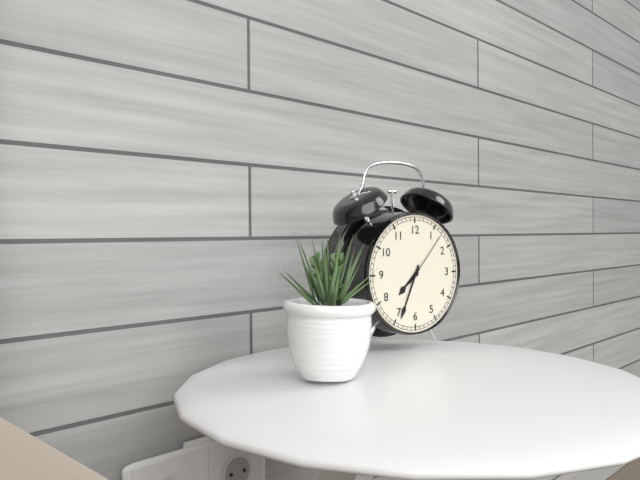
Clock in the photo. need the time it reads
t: 7:34:07
